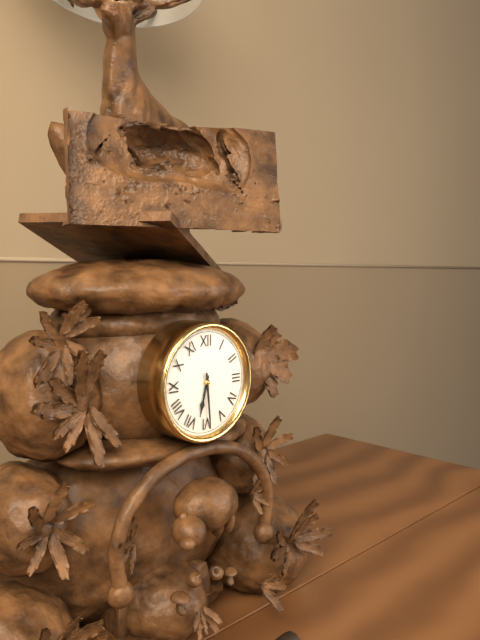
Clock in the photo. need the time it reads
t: 6:29
